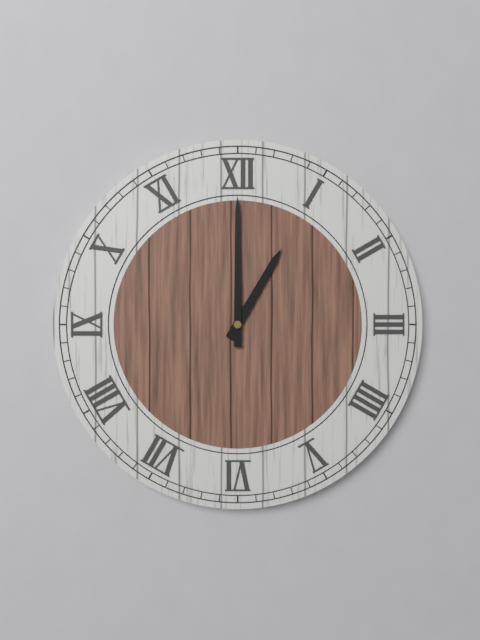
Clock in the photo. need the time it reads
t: 1:00
